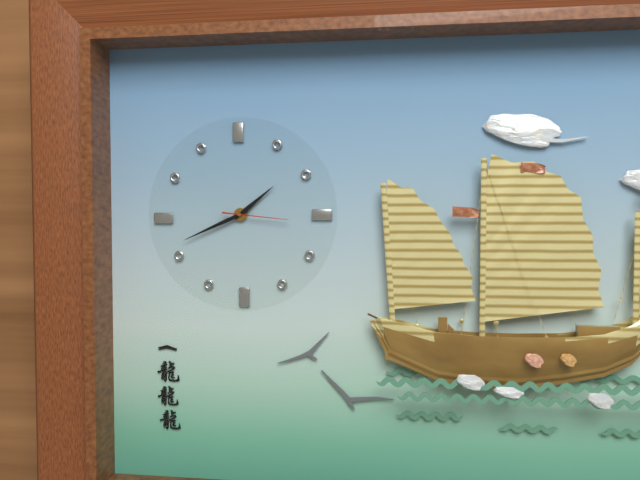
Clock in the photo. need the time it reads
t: 1:41:16
